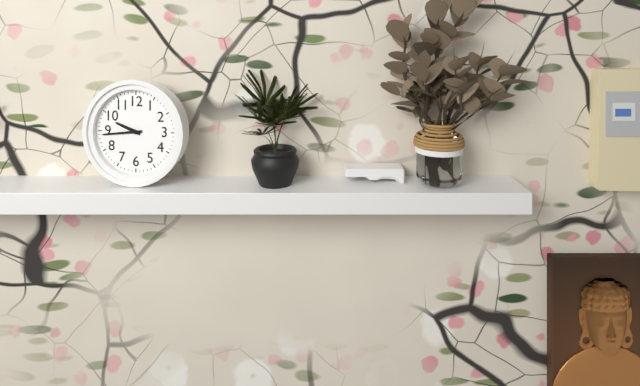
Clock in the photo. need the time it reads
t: 9:44
